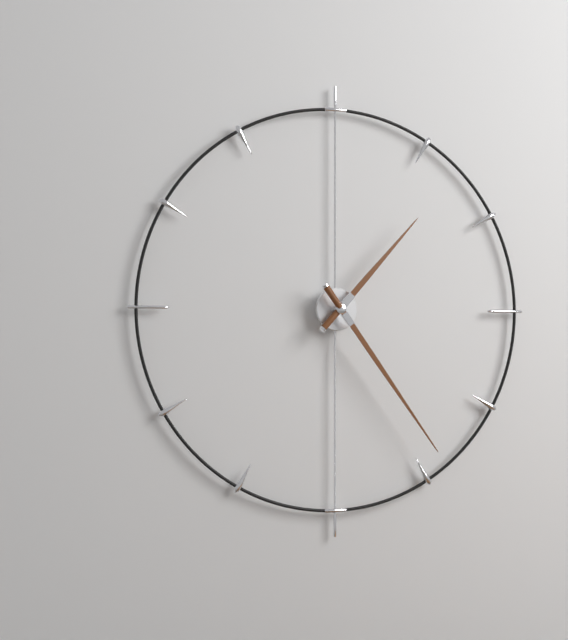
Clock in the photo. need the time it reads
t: 1:24
